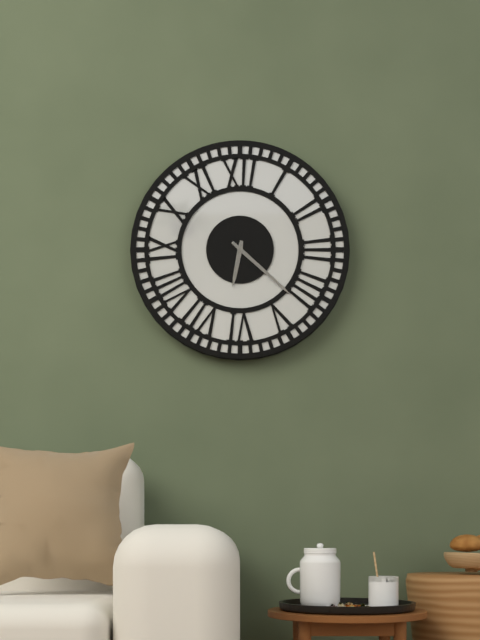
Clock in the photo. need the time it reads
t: 6:22
